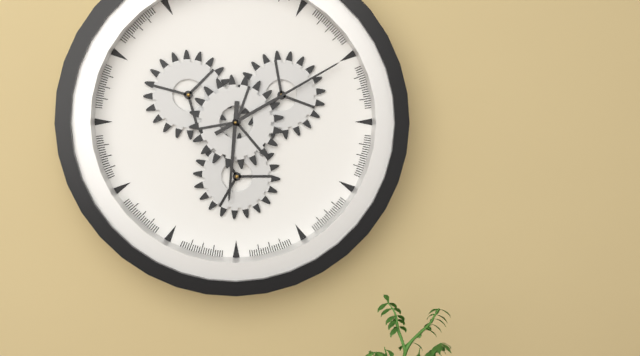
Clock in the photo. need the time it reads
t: 6:10
